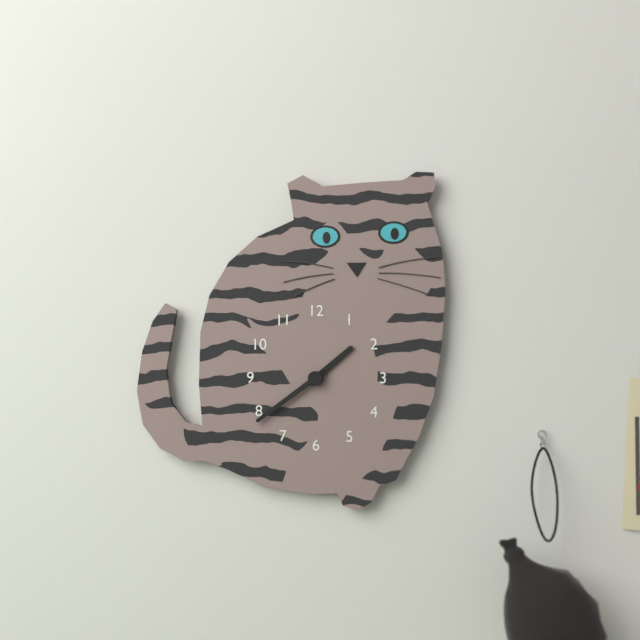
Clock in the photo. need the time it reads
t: 1:39
